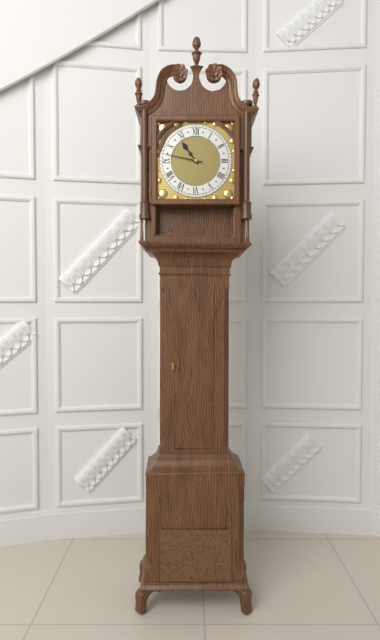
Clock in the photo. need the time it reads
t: 10:47
